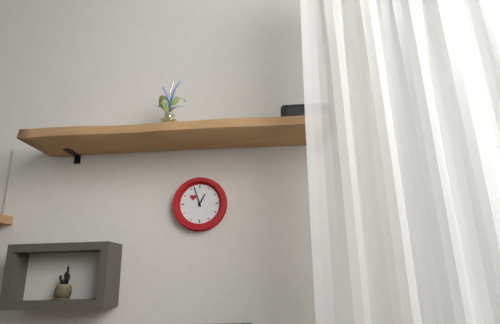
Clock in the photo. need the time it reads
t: 12:57
